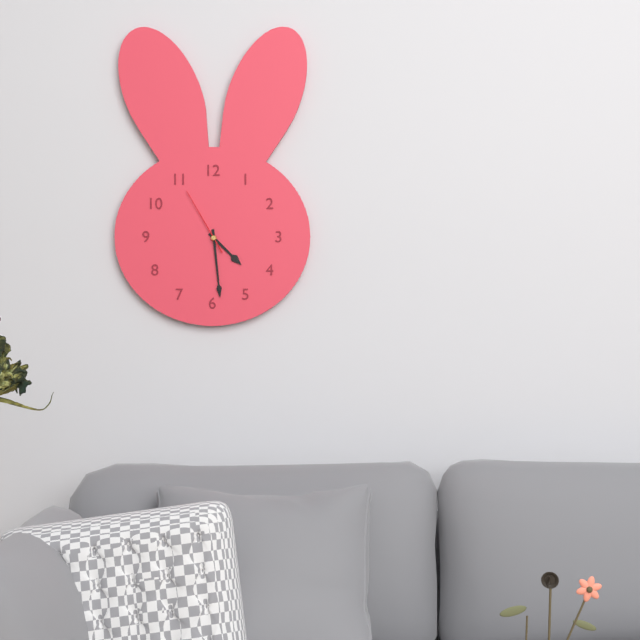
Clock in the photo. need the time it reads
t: 4:29:55
